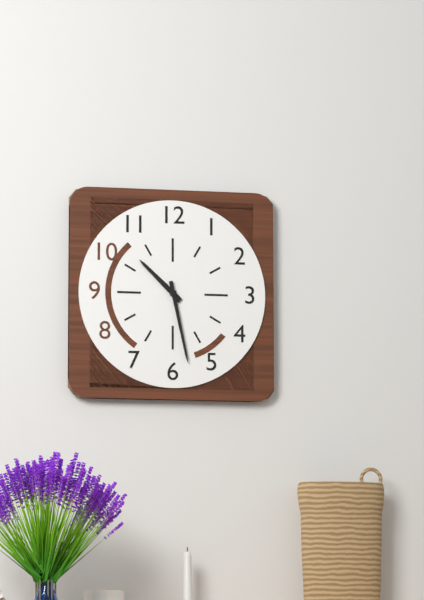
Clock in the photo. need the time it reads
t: 10:28
